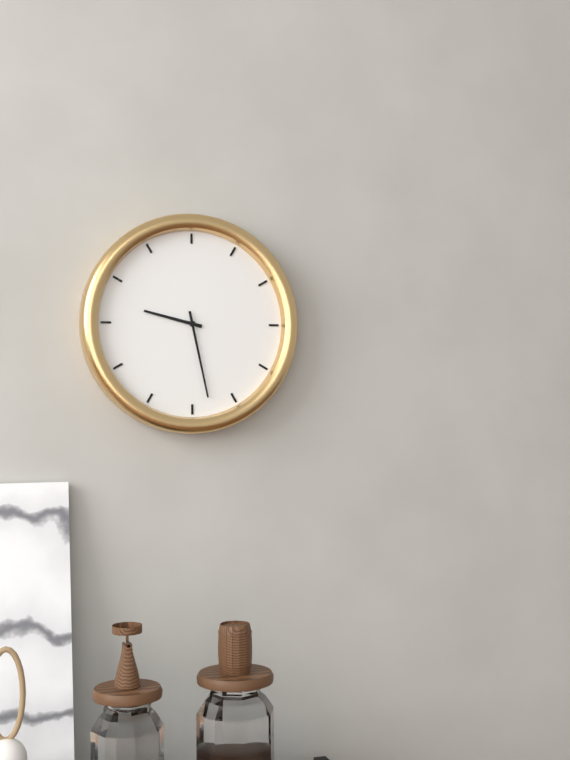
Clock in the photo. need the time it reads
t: 9:28
